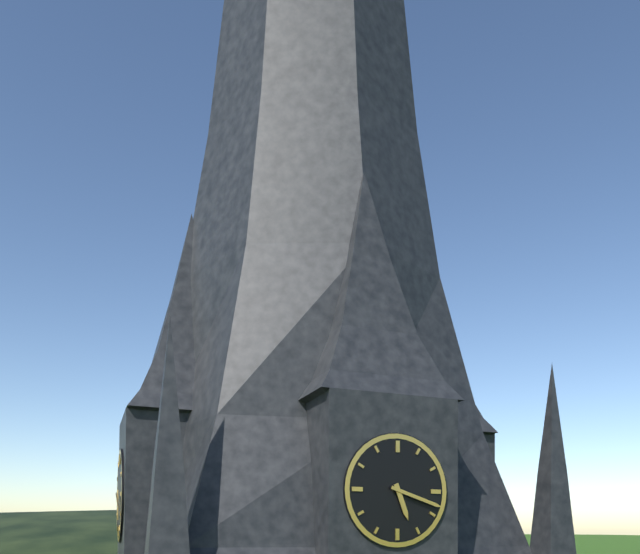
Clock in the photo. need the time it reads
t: 5:18
